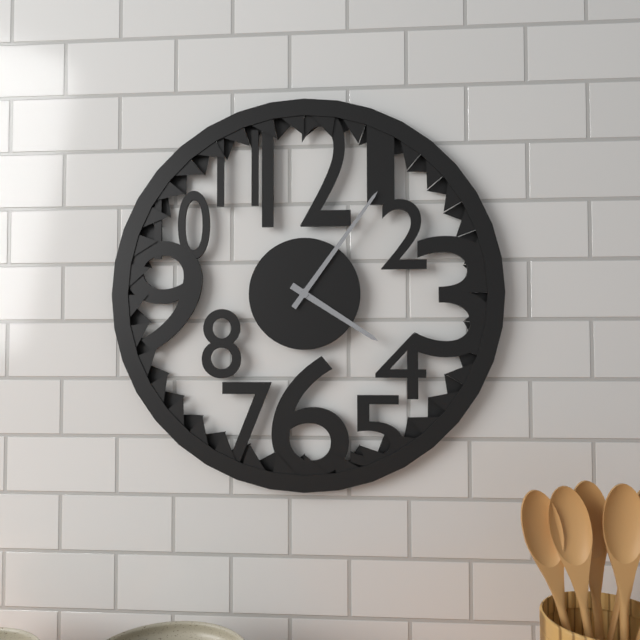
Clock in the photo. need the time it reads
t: 4:06
